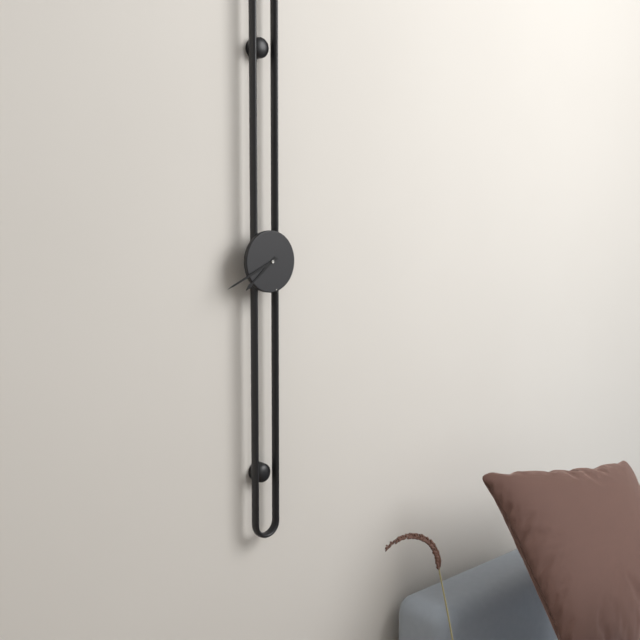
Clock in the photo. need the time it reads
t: 7:41
